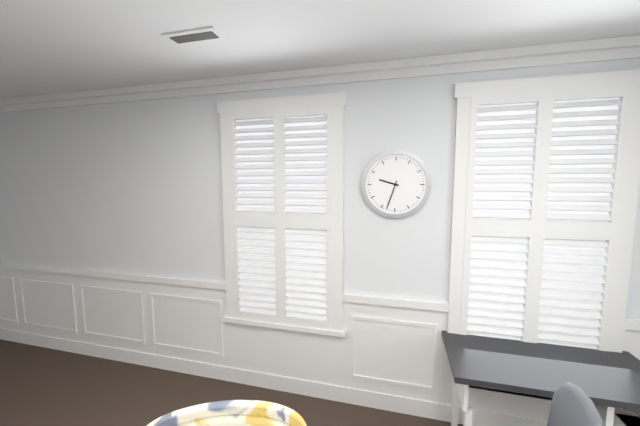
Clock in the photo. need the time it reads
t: 9:33
